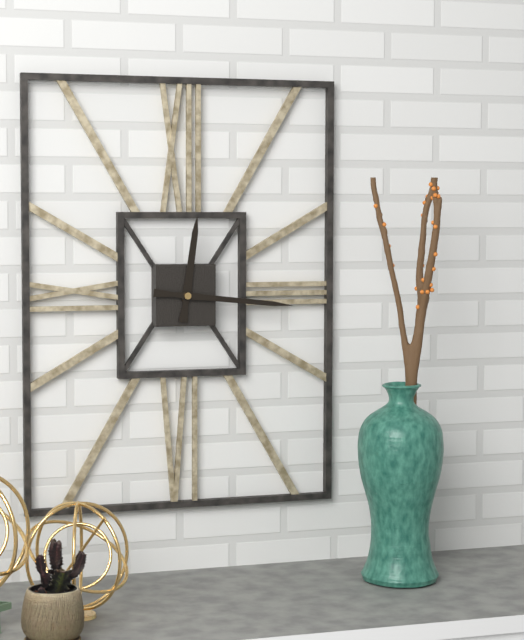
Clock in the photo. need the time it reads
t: 12:16
